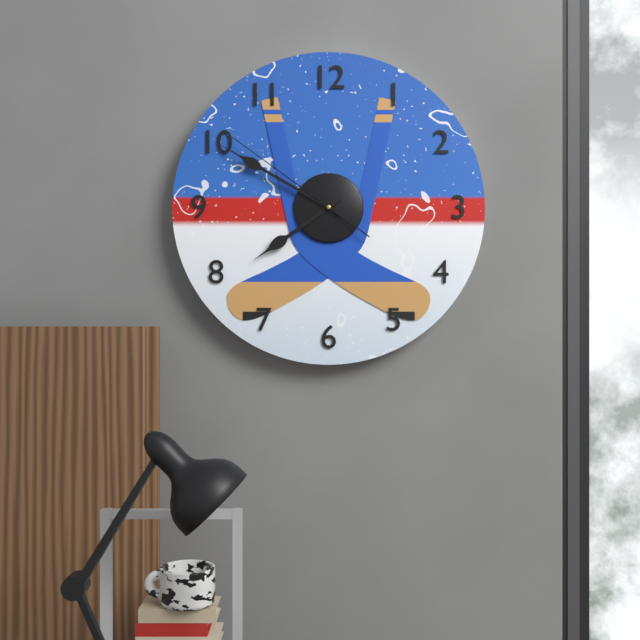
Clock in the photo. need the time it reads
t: 7:50:51
